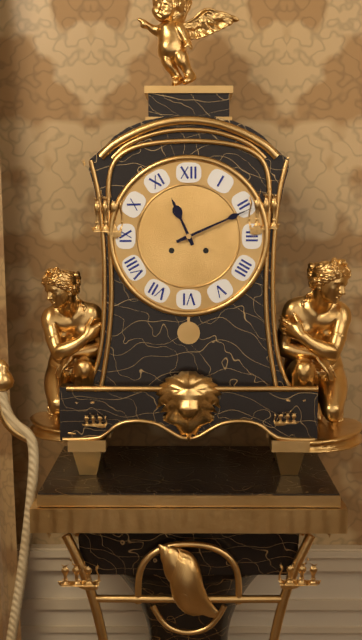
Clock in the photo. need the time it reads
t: 11:11
